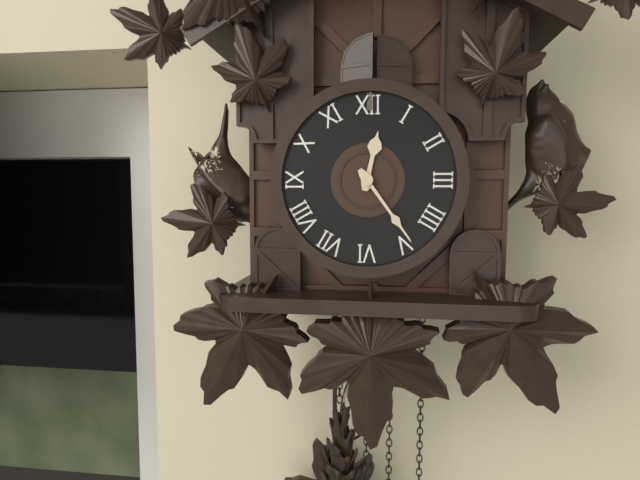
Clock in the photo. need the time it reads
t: 12:24
